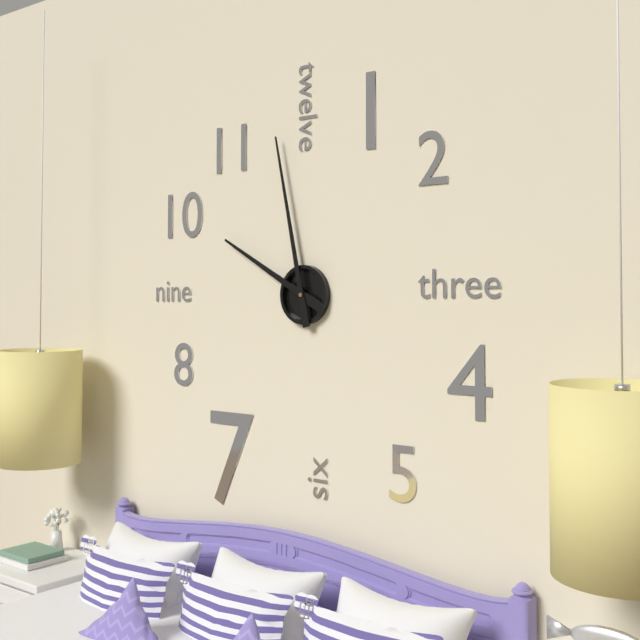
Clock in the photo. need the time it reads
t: 9:58
